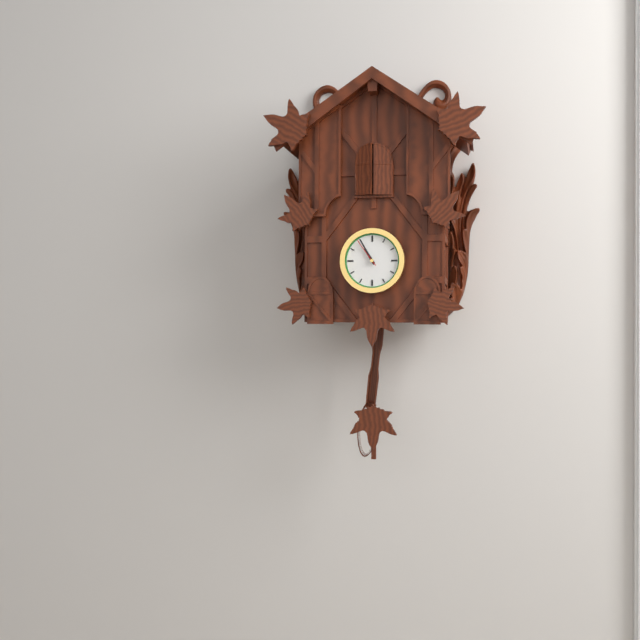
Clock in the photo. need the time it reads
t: 10:55
